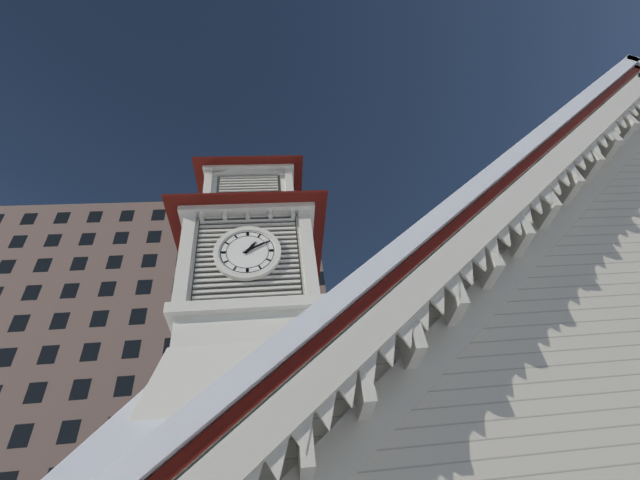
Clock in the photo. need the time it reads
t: 1:10
